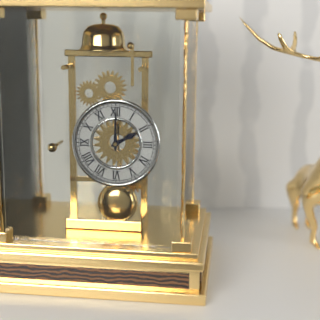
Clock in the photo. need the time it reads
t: 2:00
